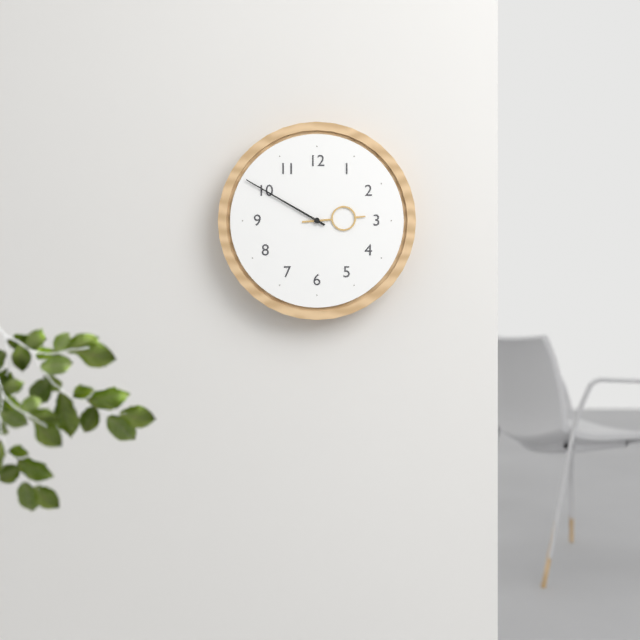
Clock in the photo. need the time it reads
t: 2:50
